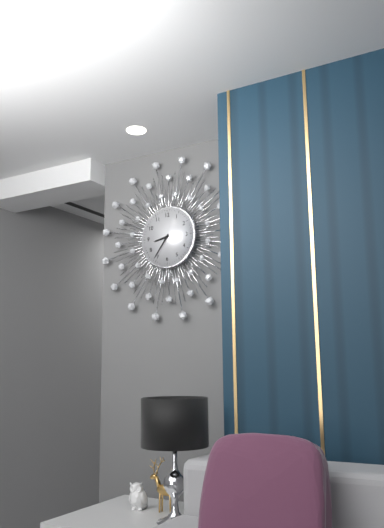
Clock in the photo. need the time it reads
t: 8:36
